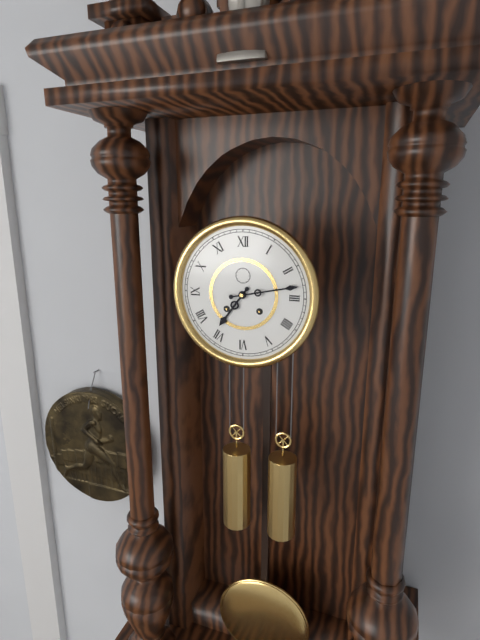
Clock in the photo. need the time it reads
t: 7:13
